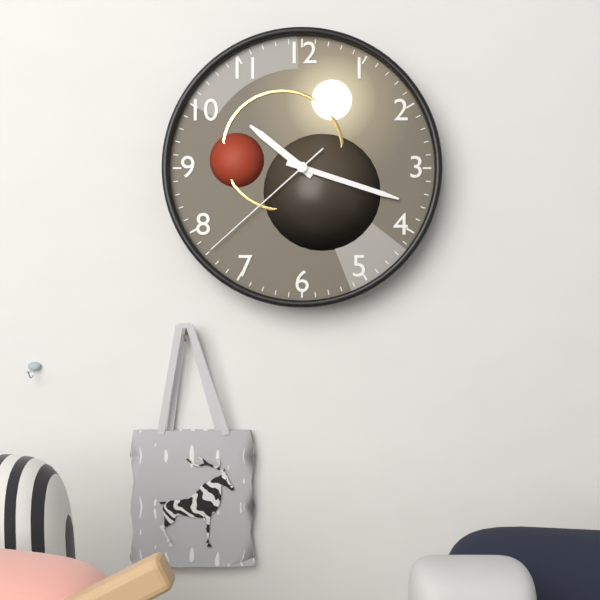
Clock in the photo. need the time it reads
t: 10:18:38
